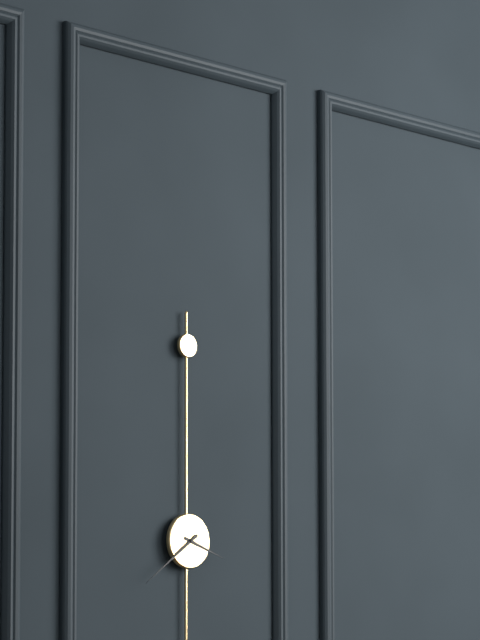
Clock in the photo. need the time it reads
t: 3:39
